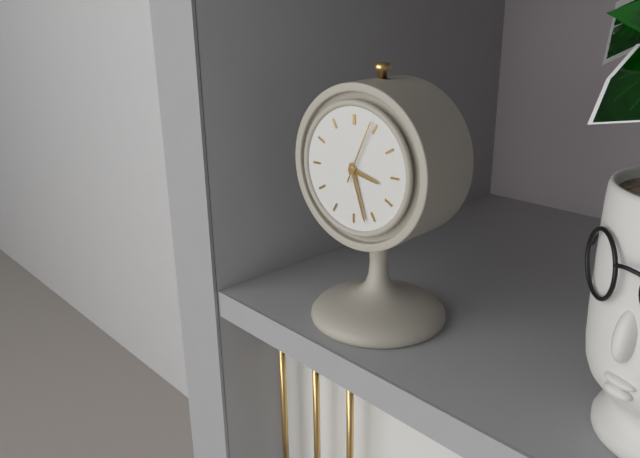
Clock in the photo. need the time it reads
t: 3:27:04
